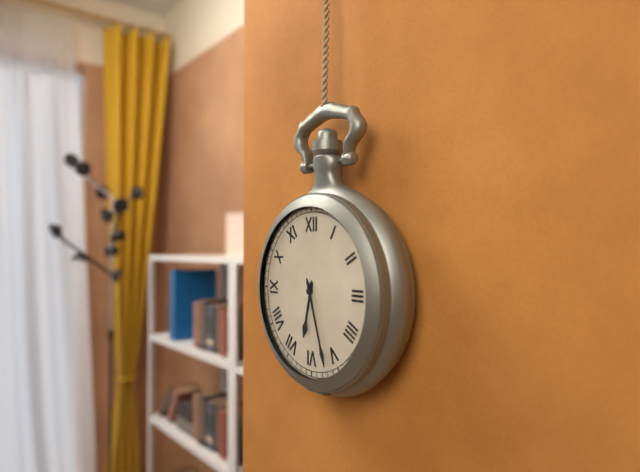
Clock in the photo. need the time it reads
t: 6:27
